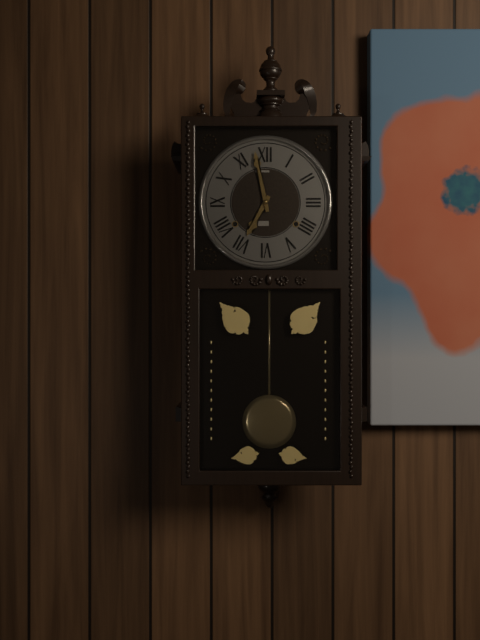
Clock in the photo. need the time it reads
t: 6:58
